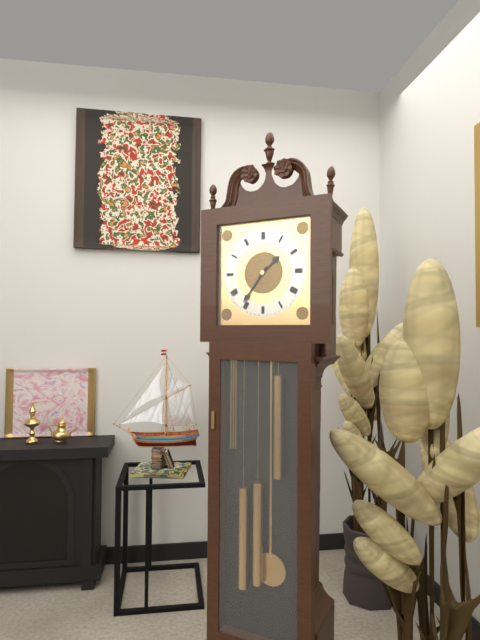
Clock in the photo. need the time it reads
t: 1:36
